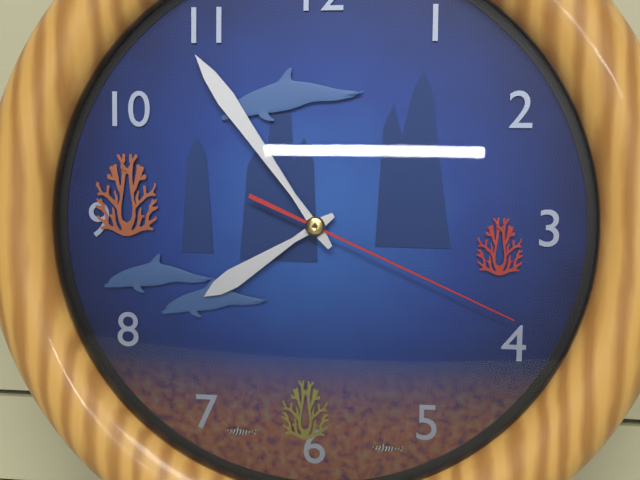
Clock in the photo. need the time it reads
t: 7:54:19
